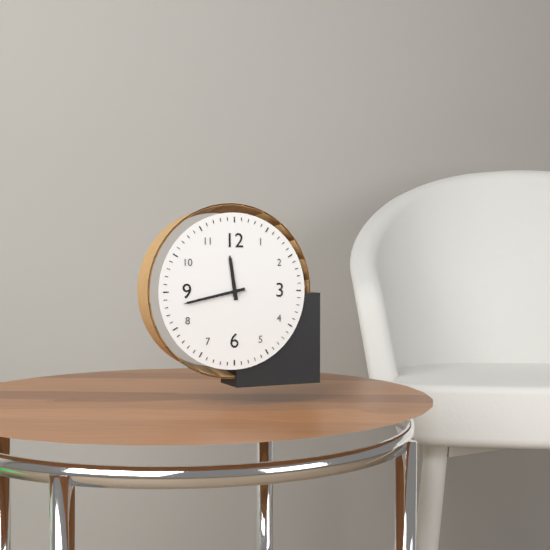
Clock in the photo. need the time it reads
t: 11:43
